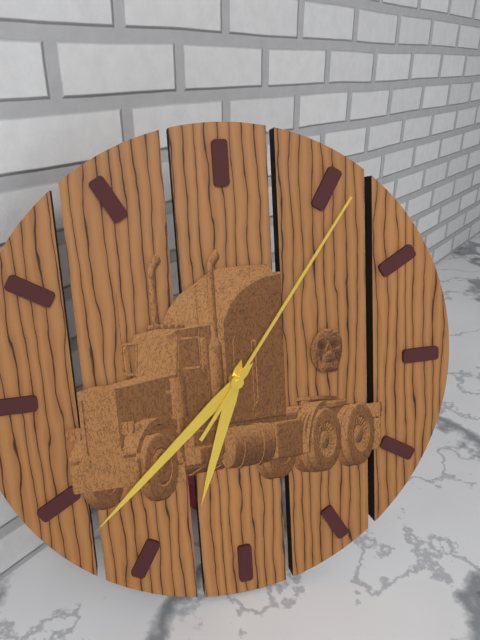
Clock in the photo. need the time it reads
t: 6:38:06
